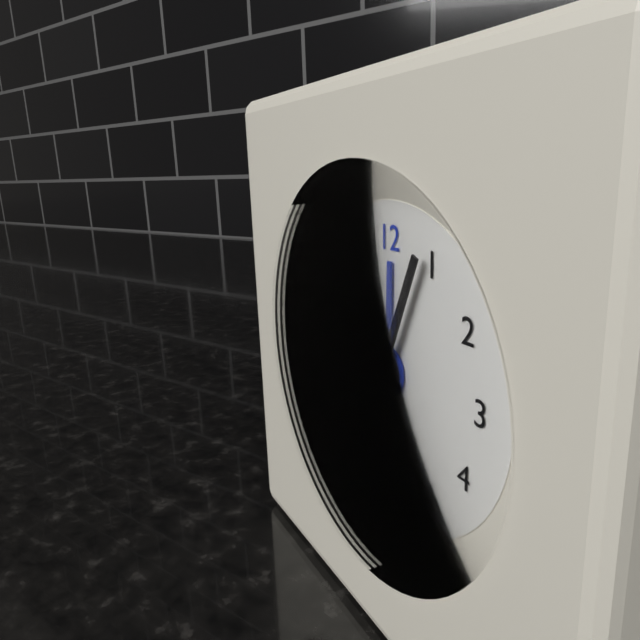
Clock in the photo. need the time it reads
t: 11:04
